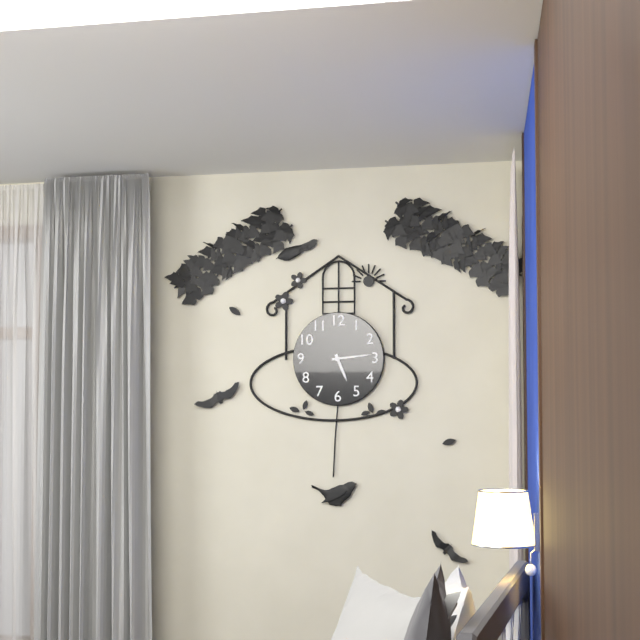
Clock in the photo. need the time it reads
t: 5:14
